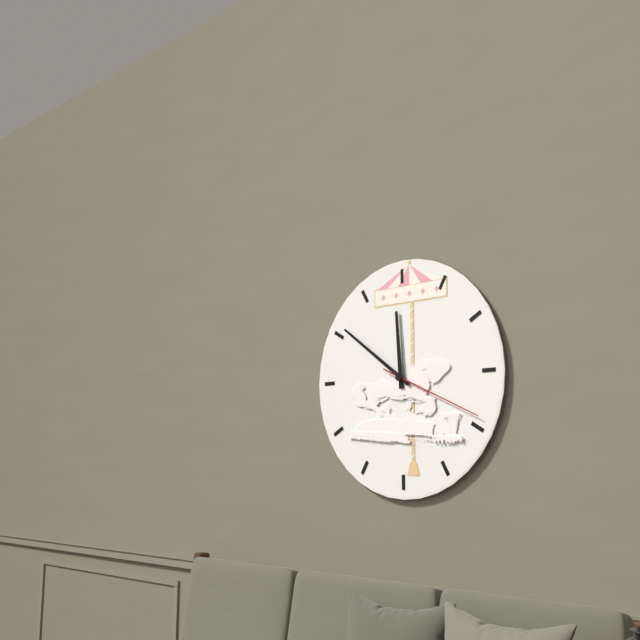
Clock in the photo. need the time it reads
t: 11:51:19
